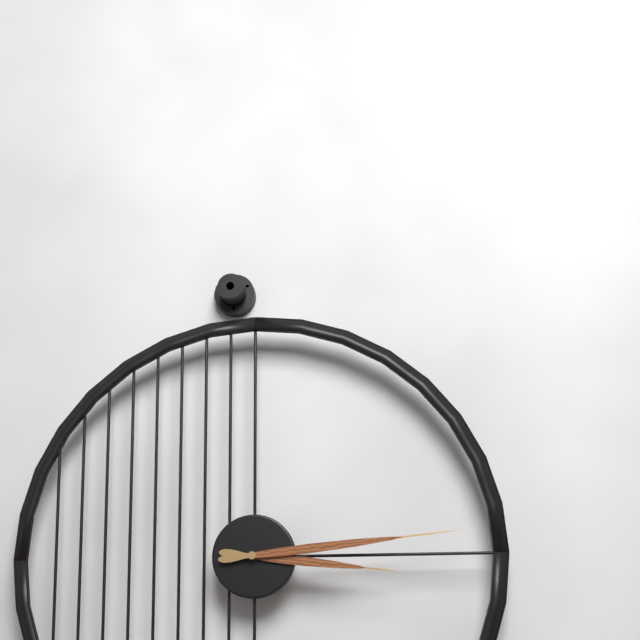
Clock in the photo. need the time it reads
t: 3:14
